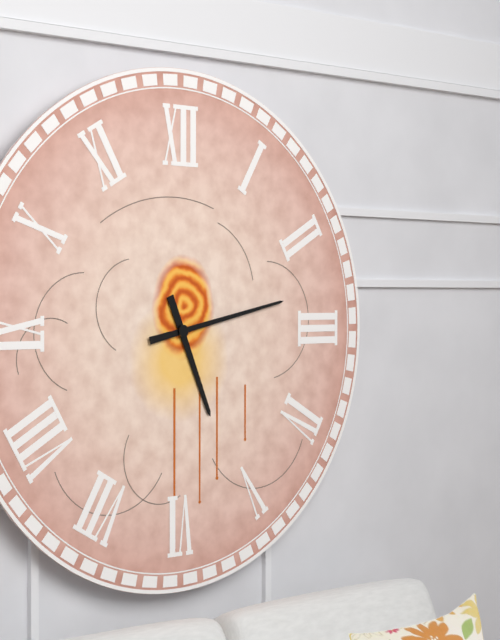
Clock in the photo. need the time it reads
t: 5:13
